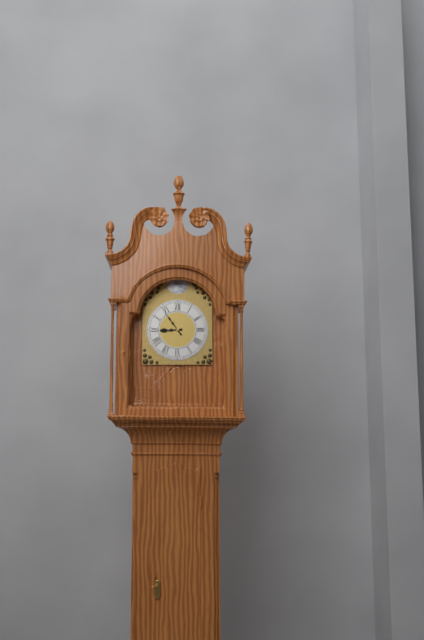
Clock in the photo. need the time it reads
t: 8:54
